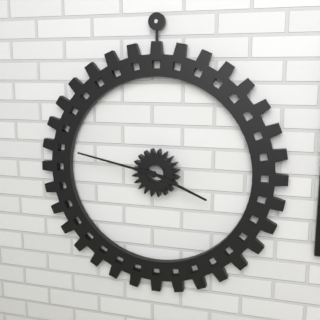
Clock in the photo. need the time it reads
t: 3:47
